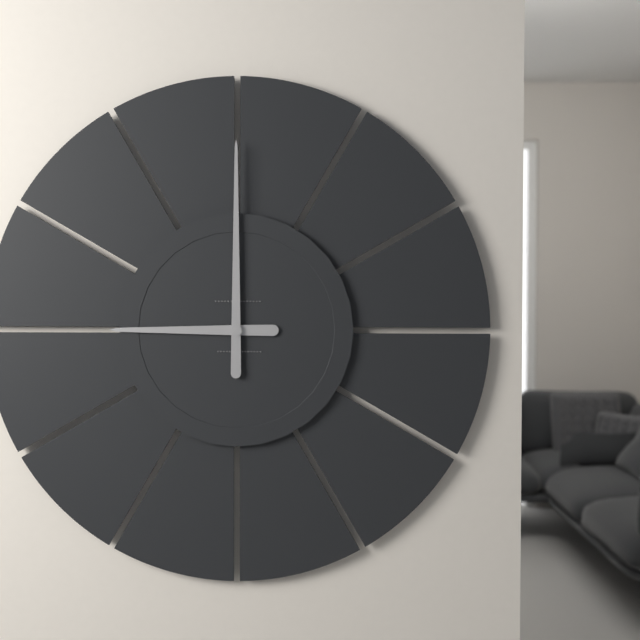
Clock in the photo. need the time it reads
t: 9:00
